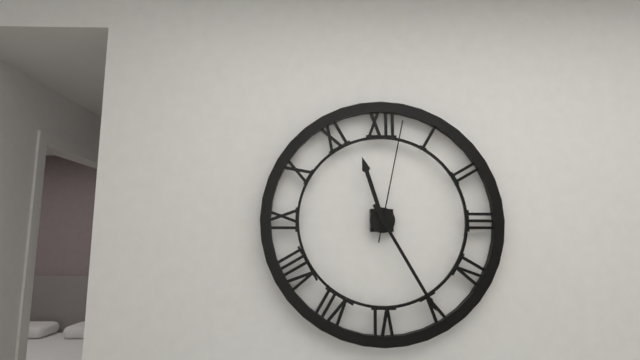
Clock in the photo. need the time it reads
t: 11:25:02
